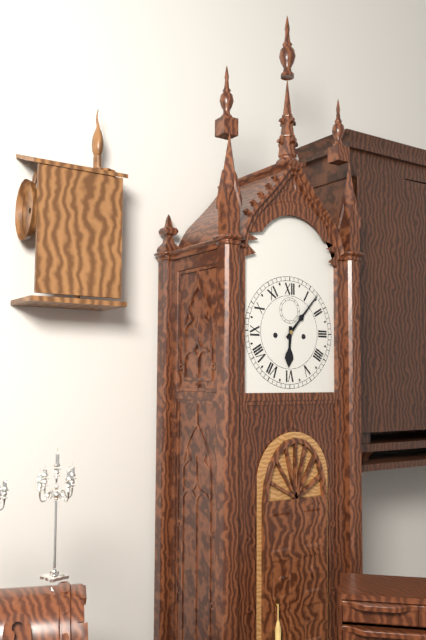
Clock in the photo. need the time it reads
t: 6:07
